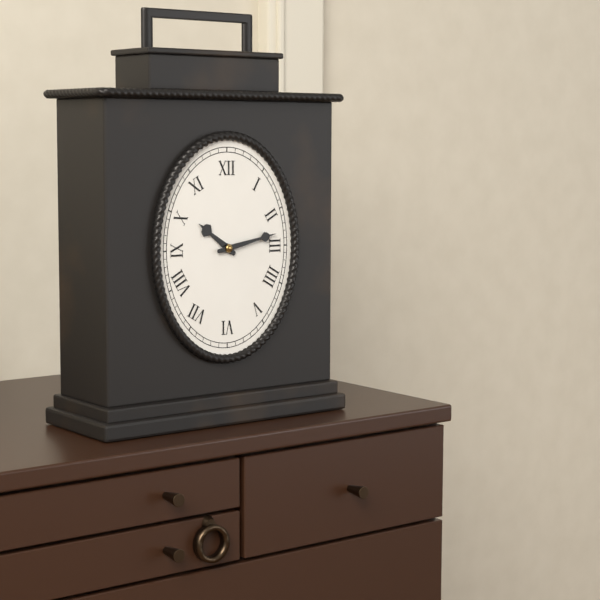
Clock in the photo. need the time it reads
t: 10:13
